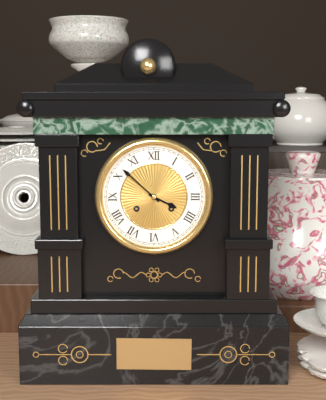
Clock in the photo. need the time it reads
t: 3:52
